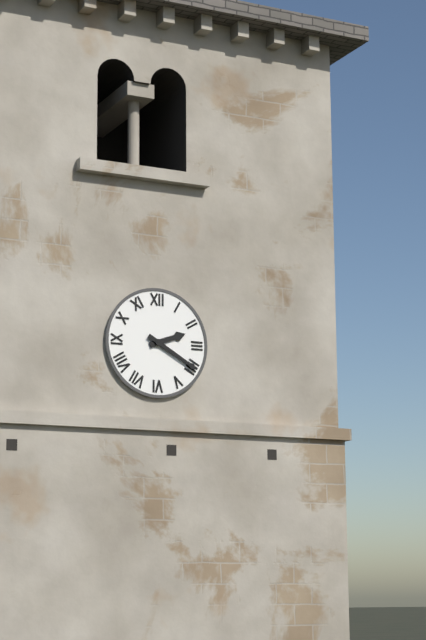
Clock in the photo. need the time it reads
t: 2:20
